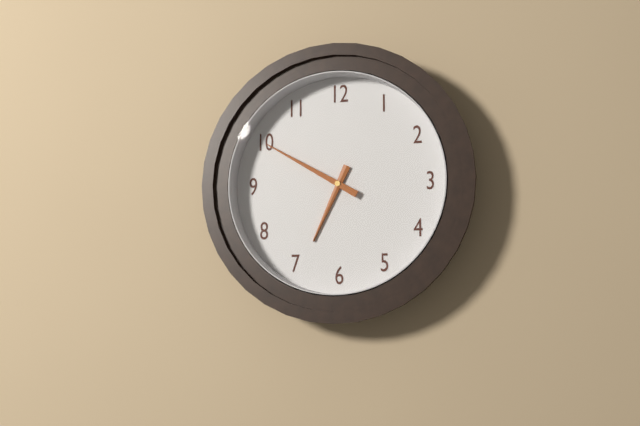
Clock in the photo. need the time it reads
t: 6:50
